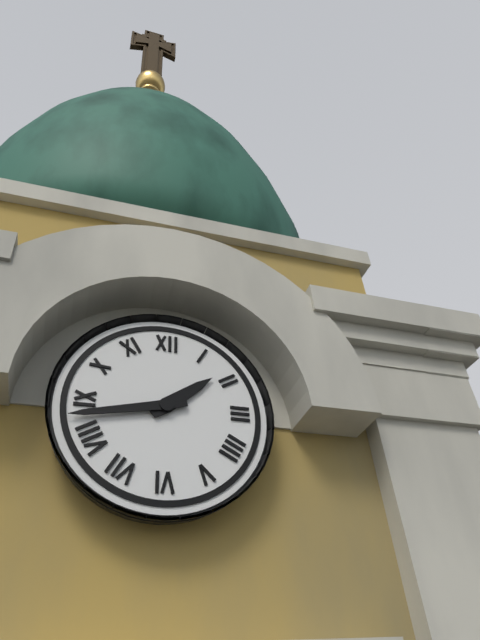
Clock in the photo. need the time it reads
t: 1:43
